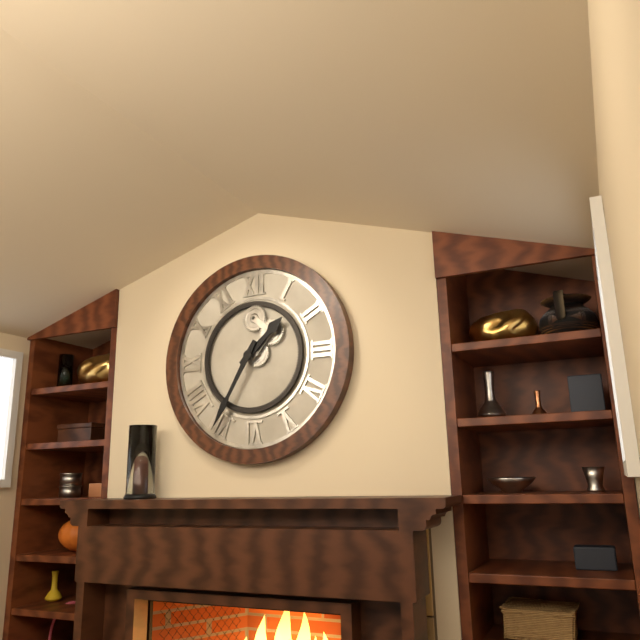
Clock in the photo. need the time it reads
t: 1:35
